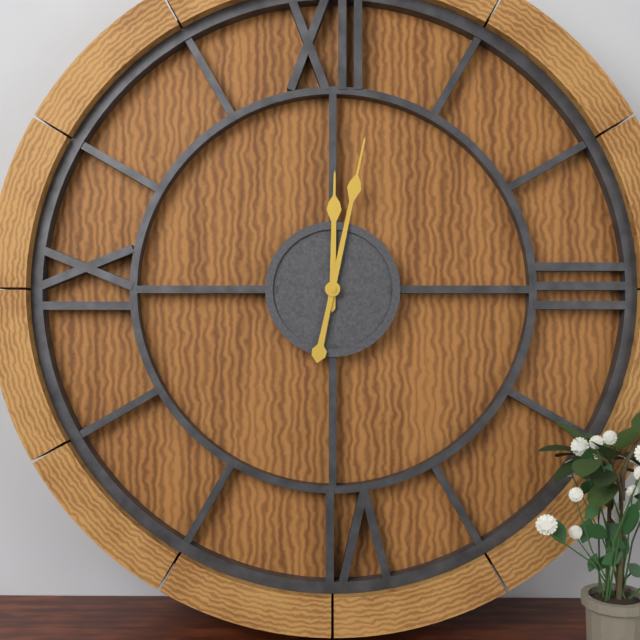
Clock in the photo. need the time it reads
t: 12:02
